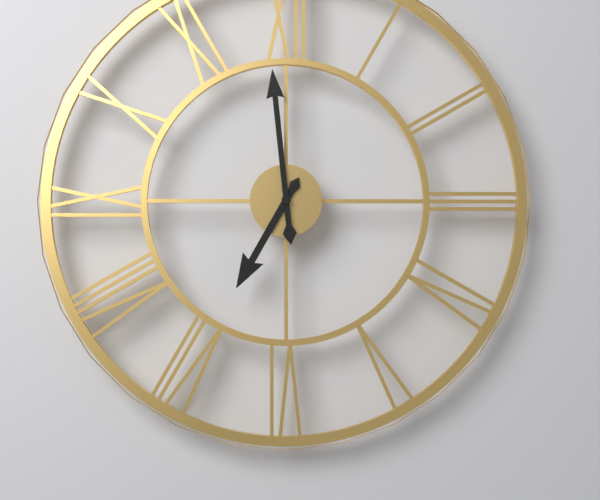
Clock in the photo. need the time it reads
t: 6:59
